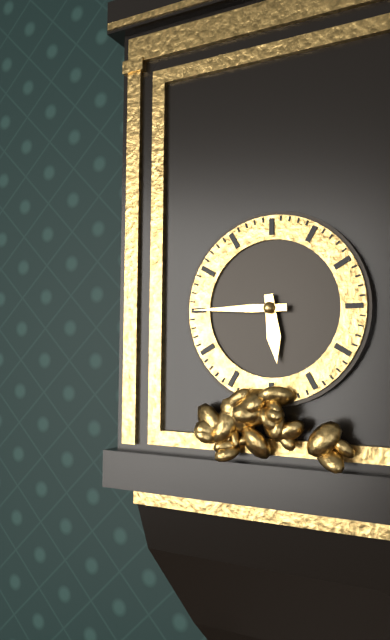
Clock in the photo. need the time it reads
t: 5:45
